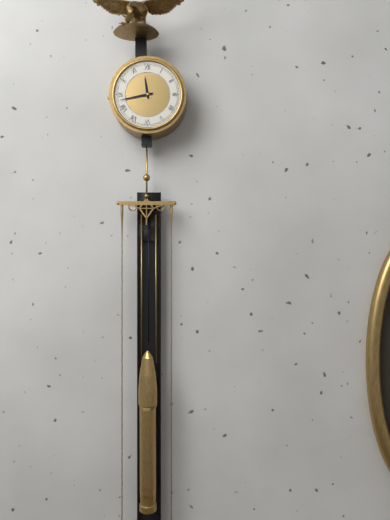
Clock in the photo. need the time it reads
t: 11:43
